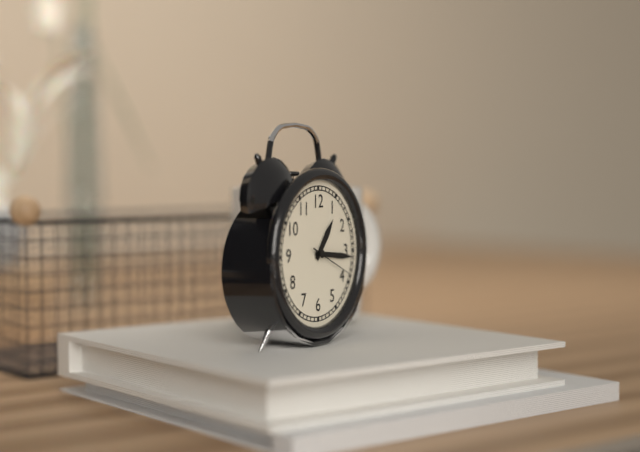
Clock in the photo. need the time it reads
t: 1:16
